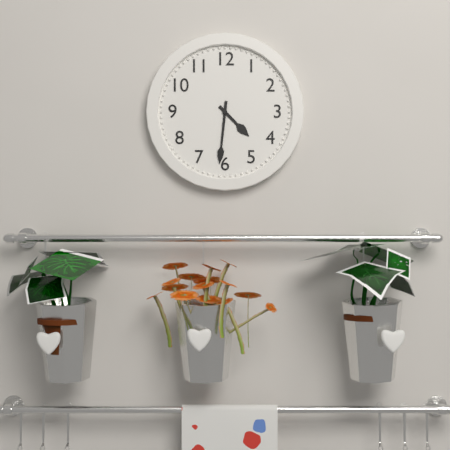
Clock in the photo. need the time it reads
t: 4:31
